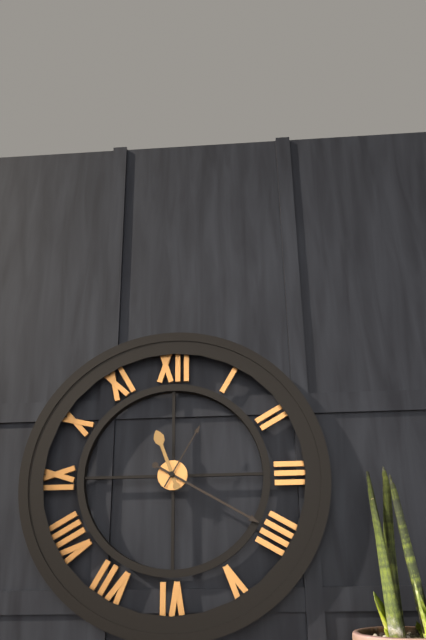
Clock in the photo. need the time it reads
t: 11:20:05
